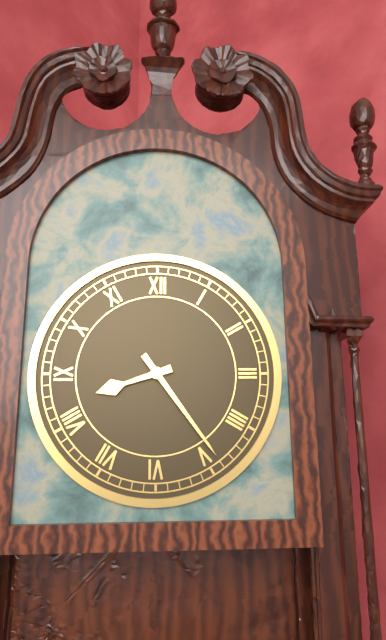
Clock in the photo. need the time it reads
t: 8:24
